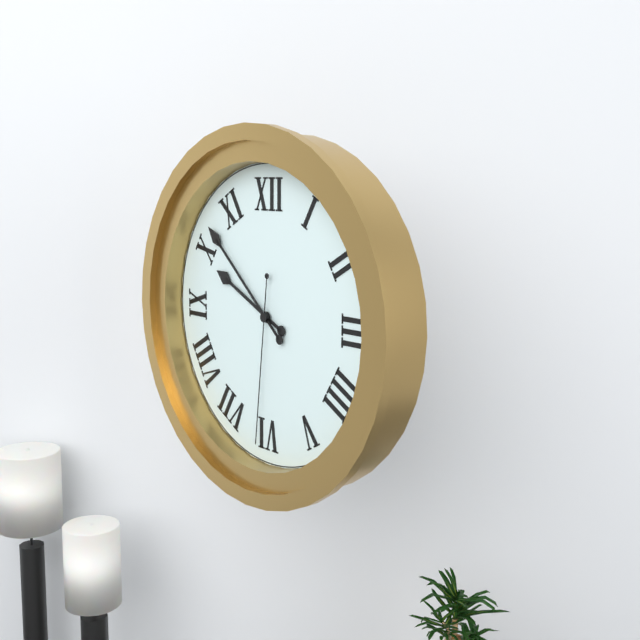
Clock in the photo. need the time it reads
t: 9:52:31
